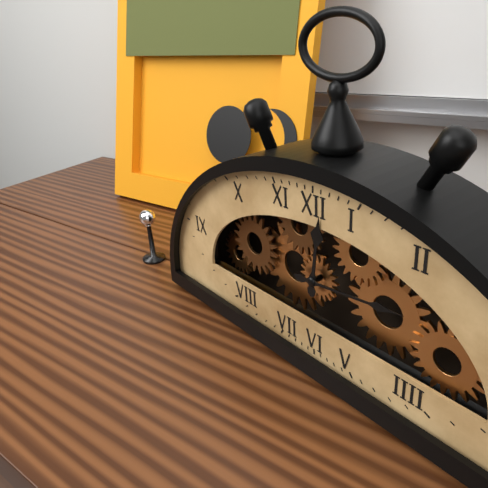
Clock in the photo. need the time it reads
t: 12:14
